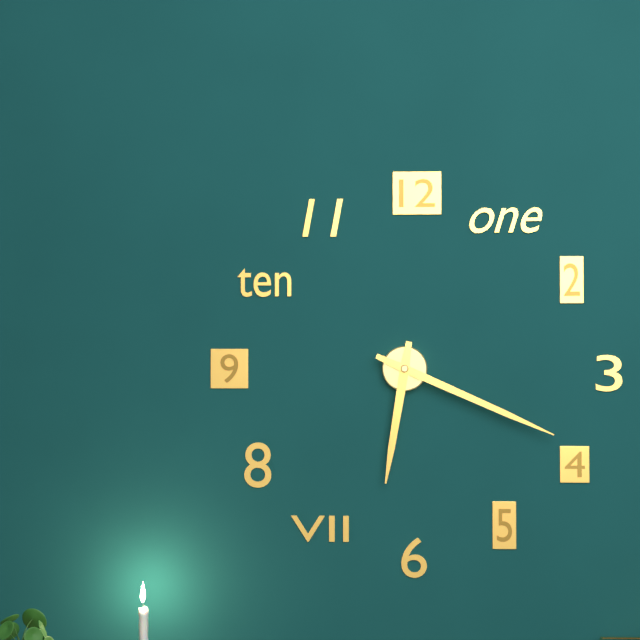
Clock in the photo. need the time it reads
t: 6:19
